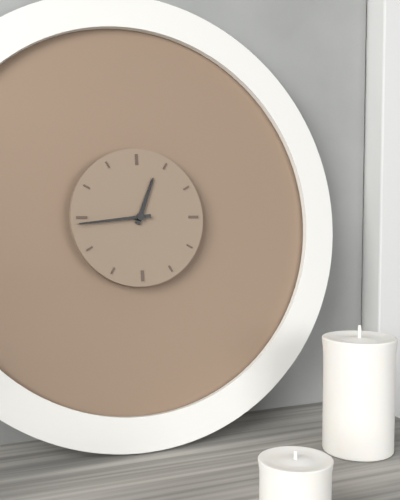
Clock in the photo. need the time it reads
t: 12:44
